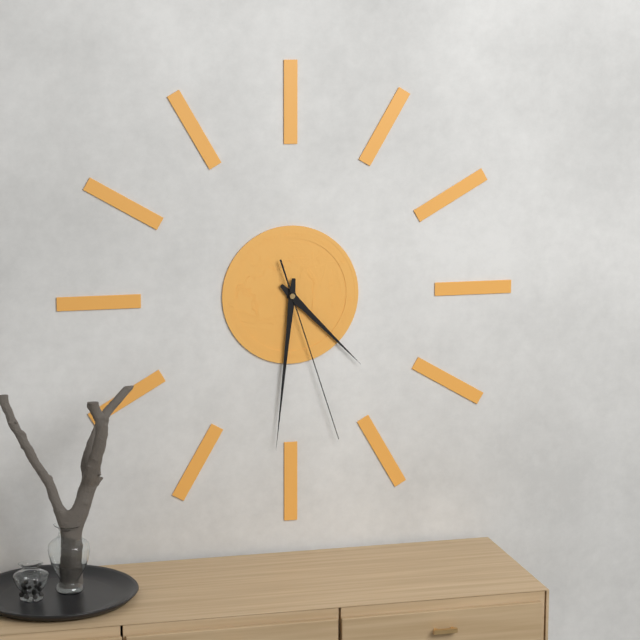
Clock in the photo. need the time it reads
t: 4:31:27
